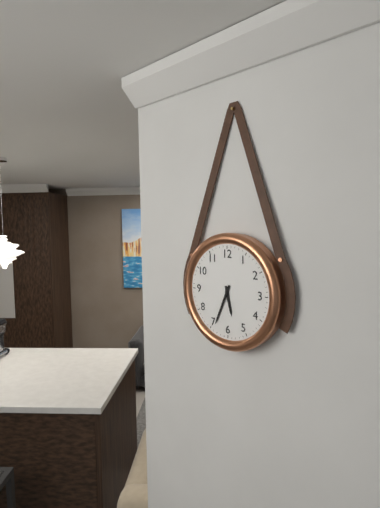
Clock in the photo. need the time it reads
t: 5:34
